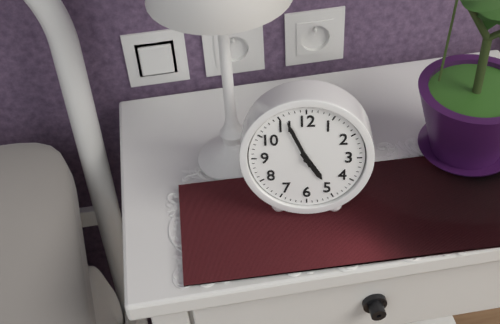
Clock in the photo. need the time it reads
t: 4:56
